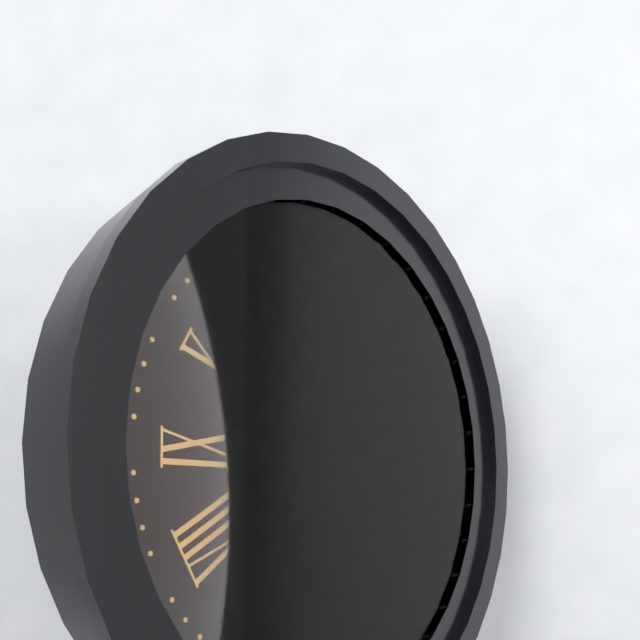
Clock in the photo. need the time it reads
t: 5:12:18
